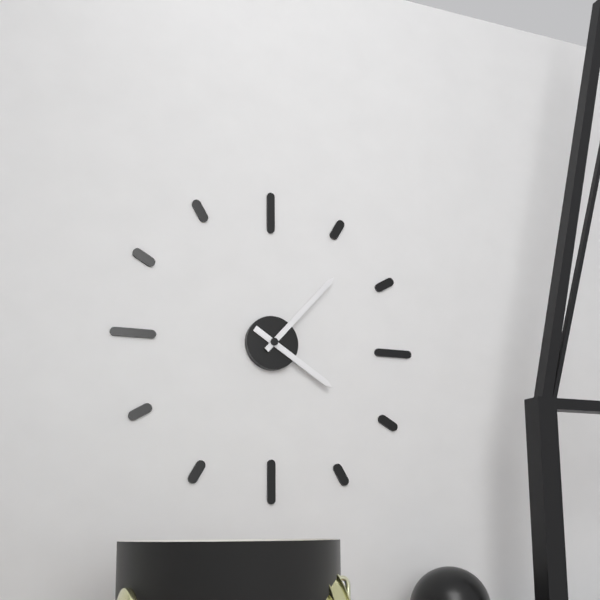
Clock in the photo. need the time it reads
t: 4:07
